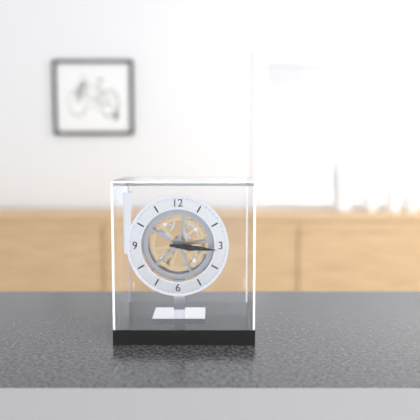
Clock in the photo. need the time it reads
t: 3:16
